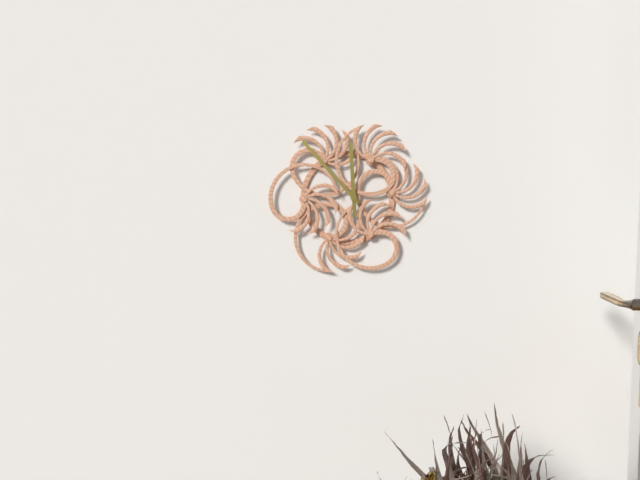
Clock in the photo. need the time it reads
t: 11:53
